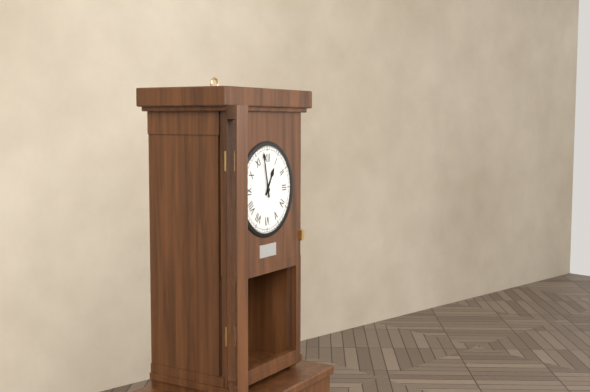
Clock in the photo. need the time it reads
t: 12:58
